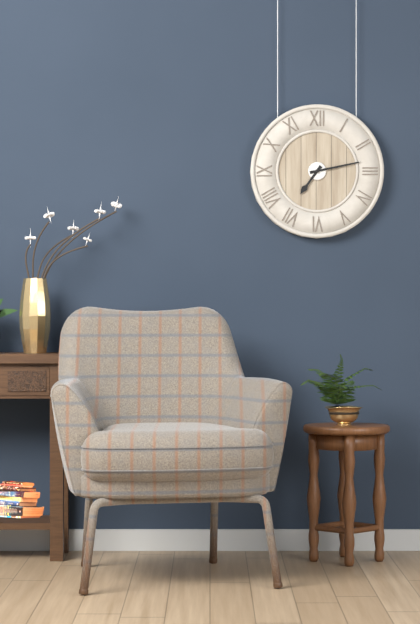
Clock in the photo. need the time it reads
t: 7:13
